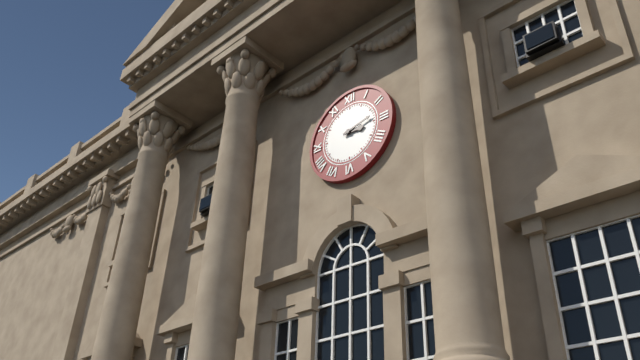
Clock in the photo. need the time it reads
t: 3:13
